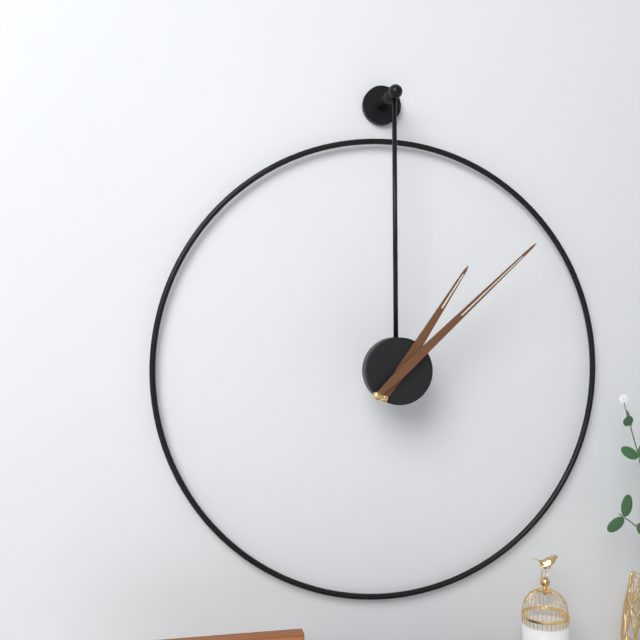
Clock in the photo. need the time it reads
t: 1:08
